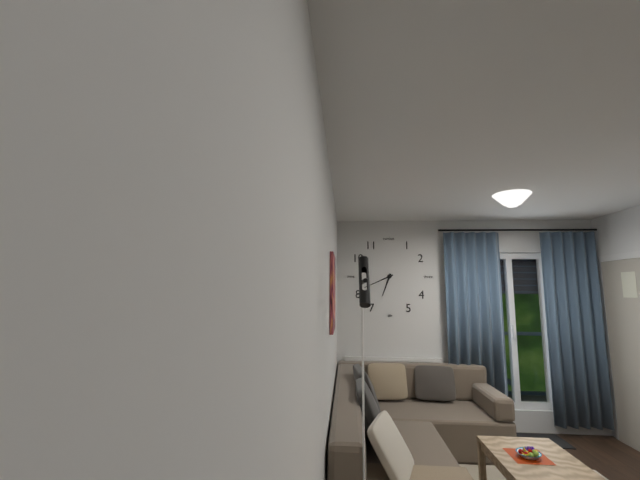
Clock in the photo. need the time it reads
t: 6:41
